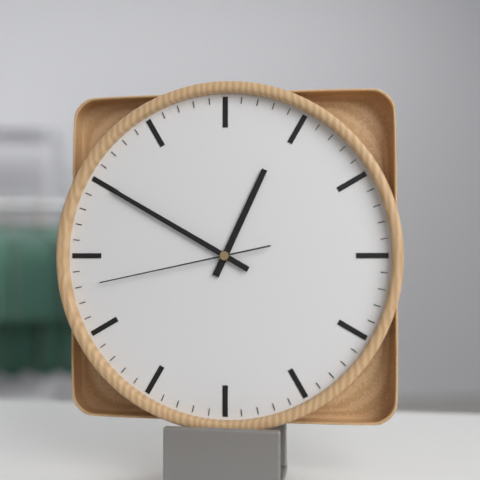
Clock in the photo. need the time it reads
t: 12:50:43
